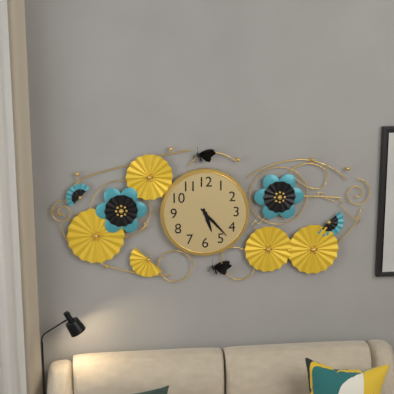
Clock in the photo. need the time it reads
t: 5:23
